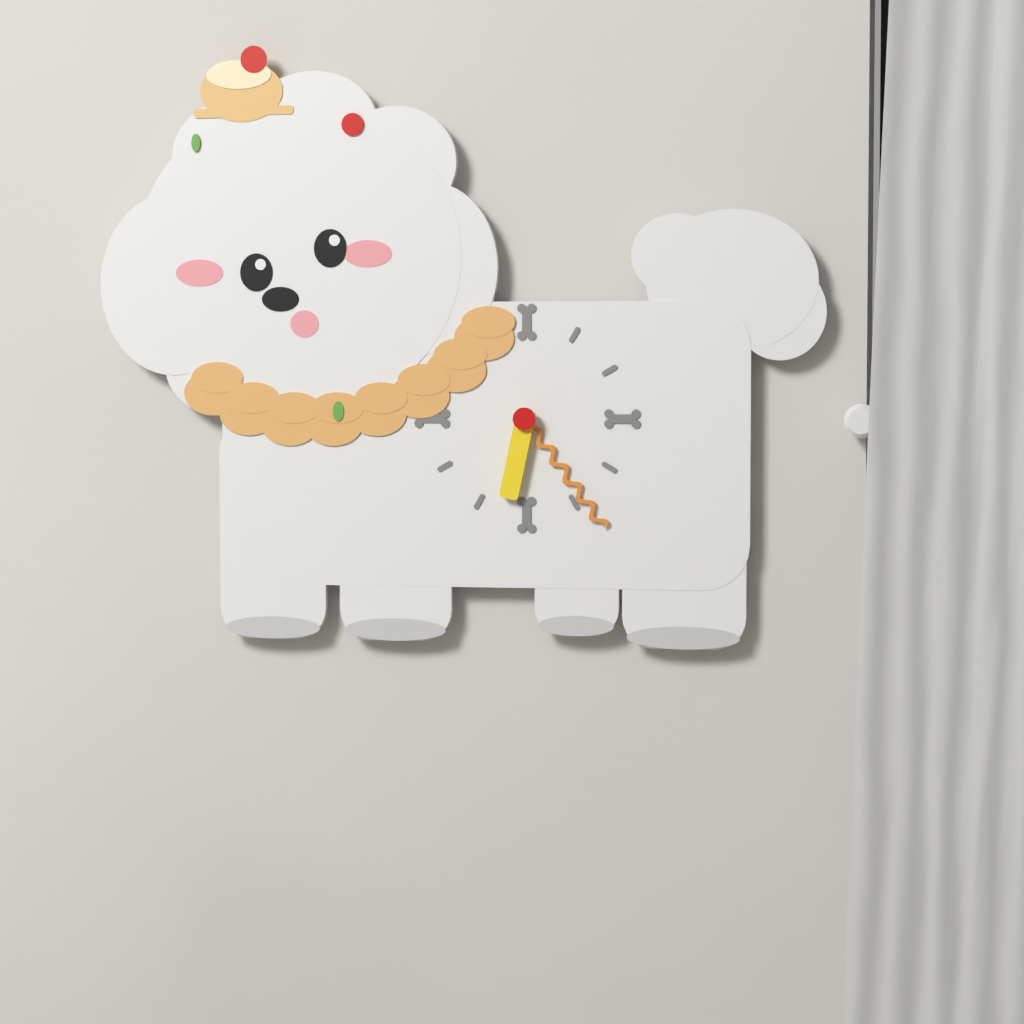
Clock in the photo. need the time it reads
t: 6:24
